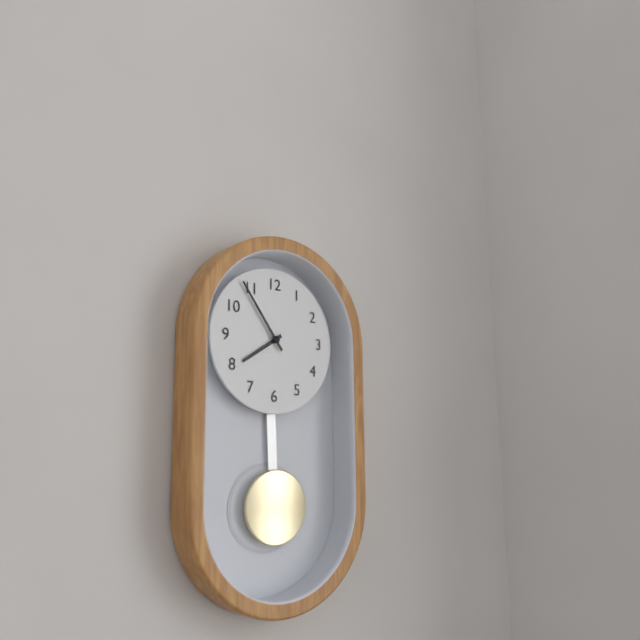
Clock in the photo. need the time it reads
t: 7:54
